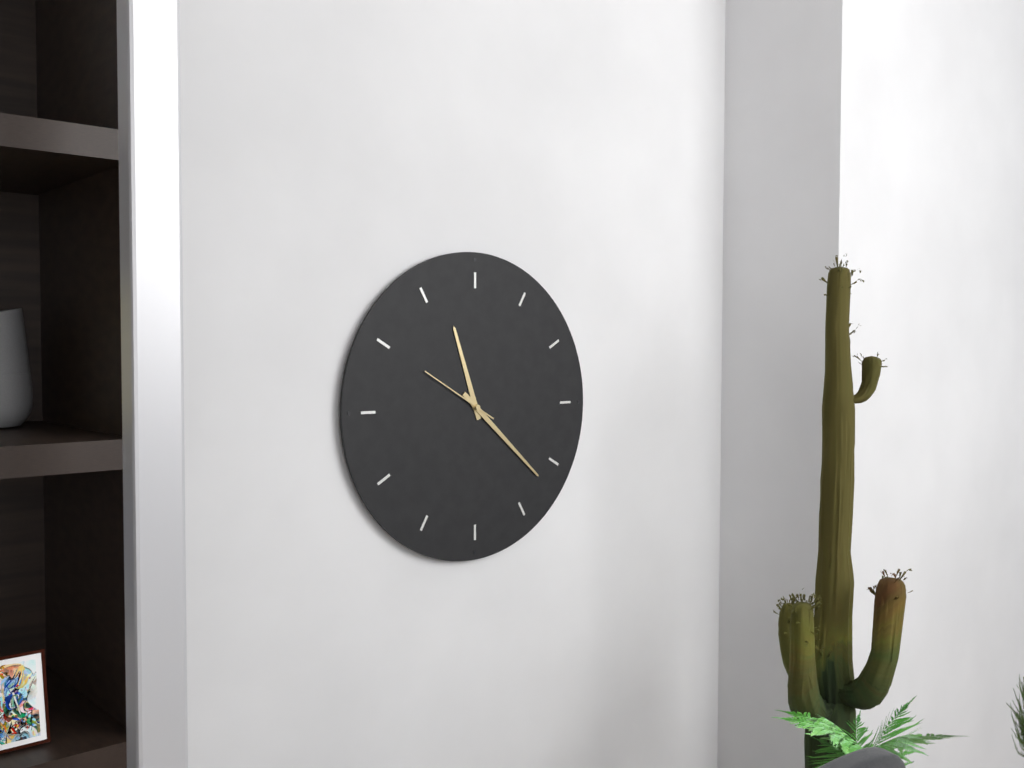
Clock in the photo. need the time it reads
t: 11:22:50
